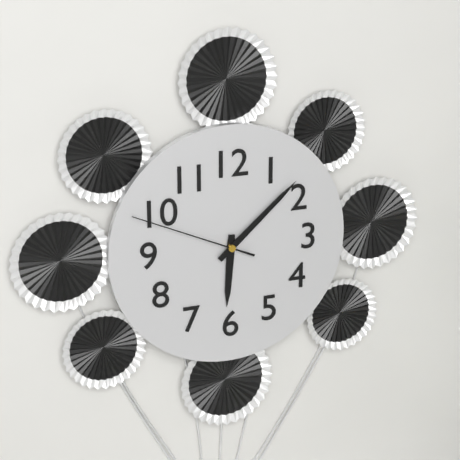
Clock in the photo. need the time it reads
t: 6:08:49
